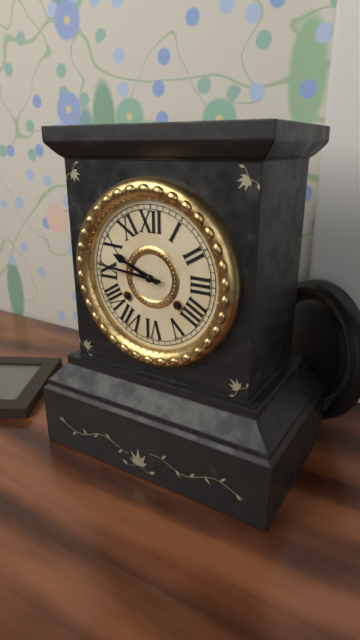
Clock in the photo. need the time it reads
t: 9:46
